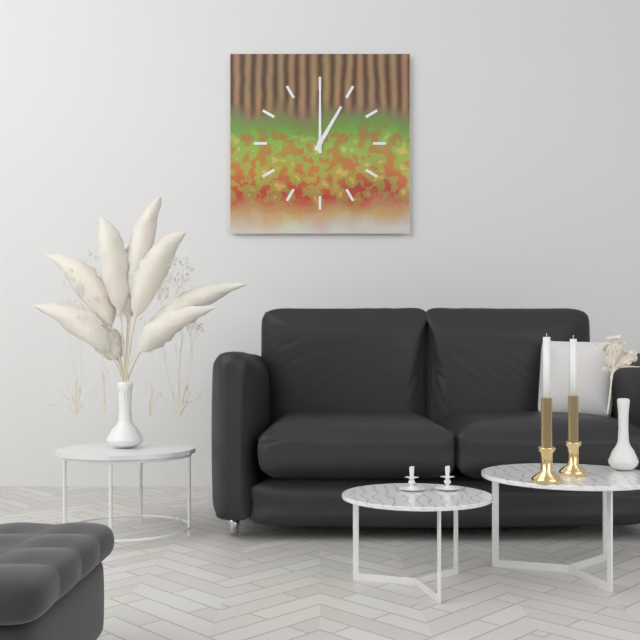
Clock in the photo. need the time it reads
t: 1:00
